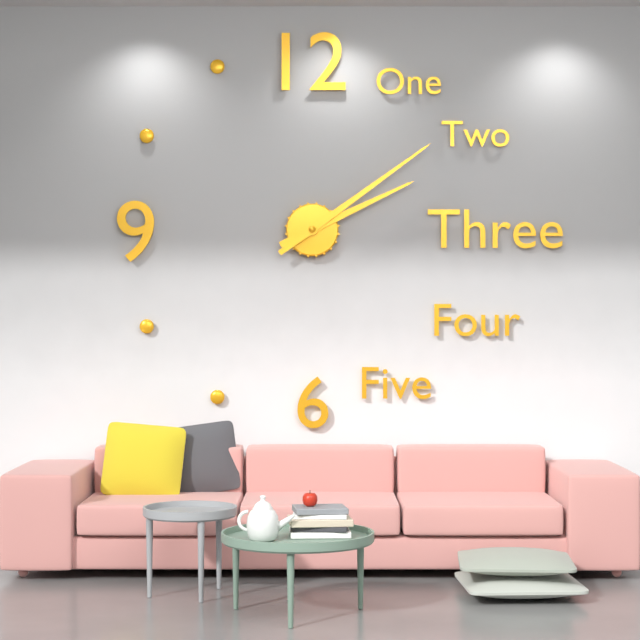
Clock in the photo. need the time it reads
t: 2:09
